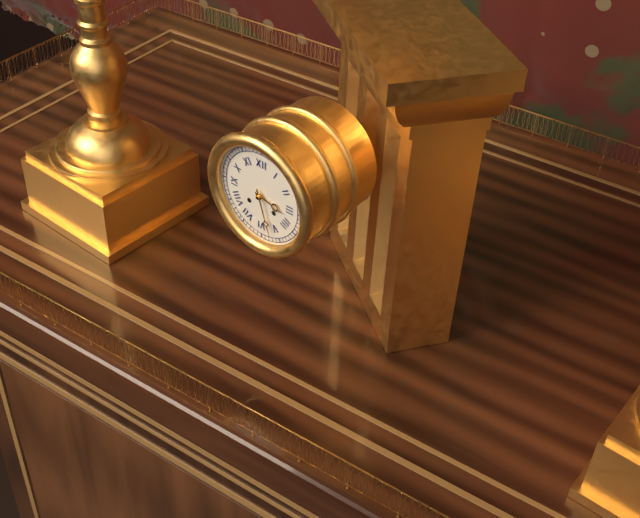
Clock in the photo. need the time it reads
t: 3:27
